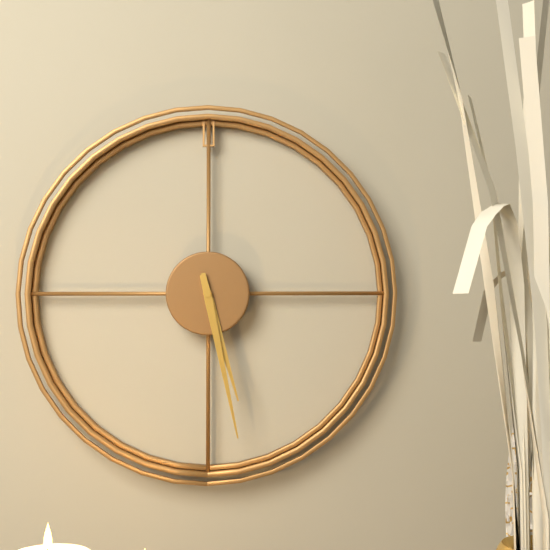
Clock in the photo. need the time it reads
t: 5:28
